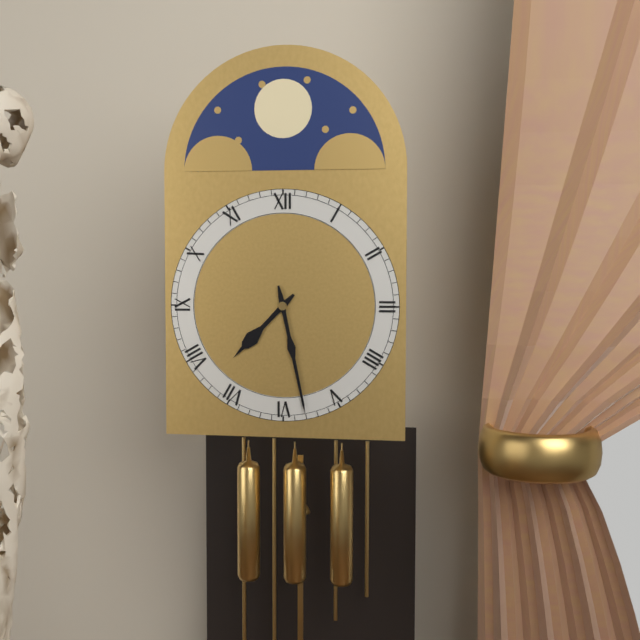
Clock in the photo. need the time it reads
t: 7:28
